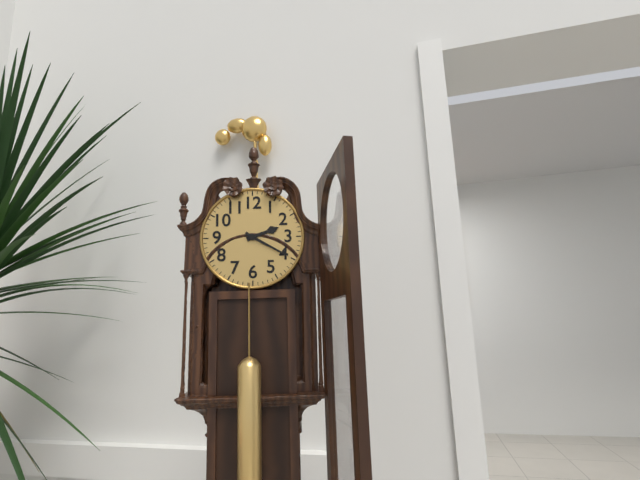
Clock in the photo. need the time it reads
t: 2:20
